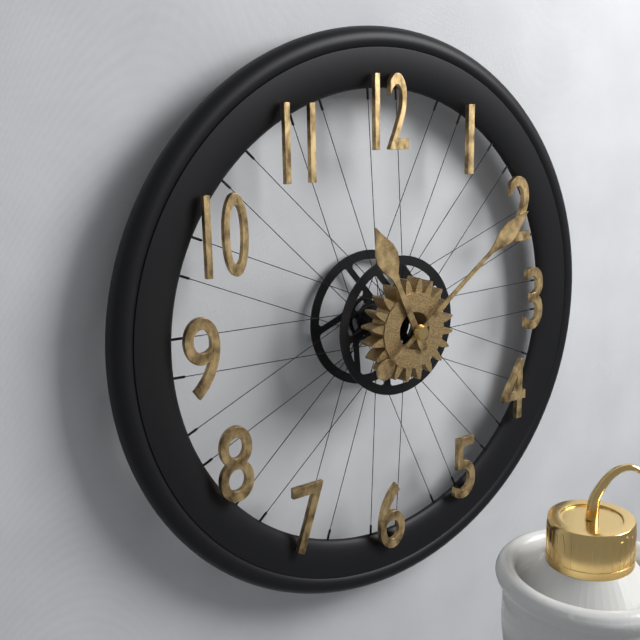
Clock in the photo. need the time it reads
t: 11:09
